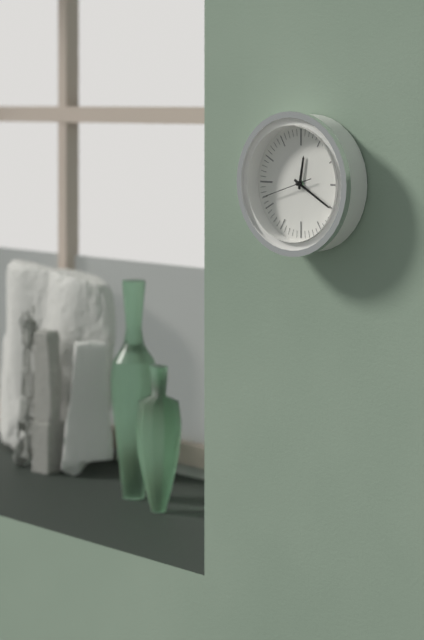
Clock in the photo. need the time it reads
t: 12:20
